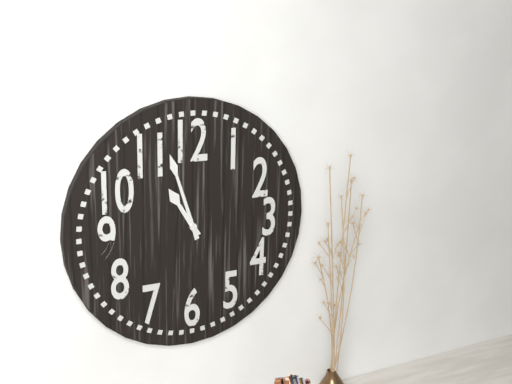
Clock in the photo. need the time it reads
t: 10:57
